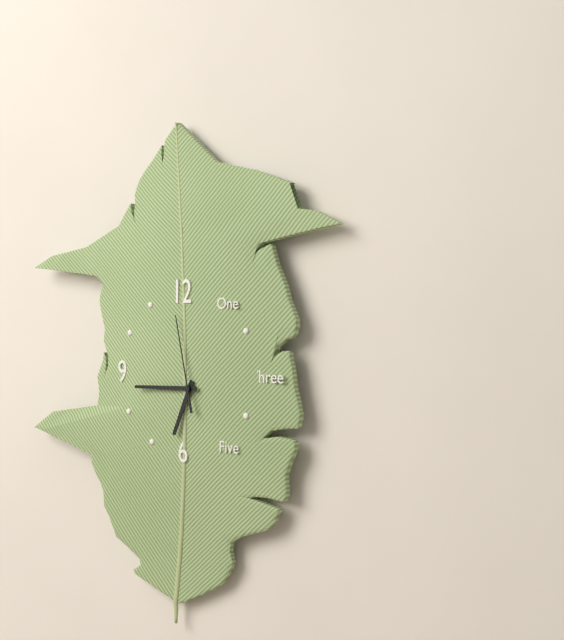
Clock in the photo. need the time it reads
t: 6:45:58
